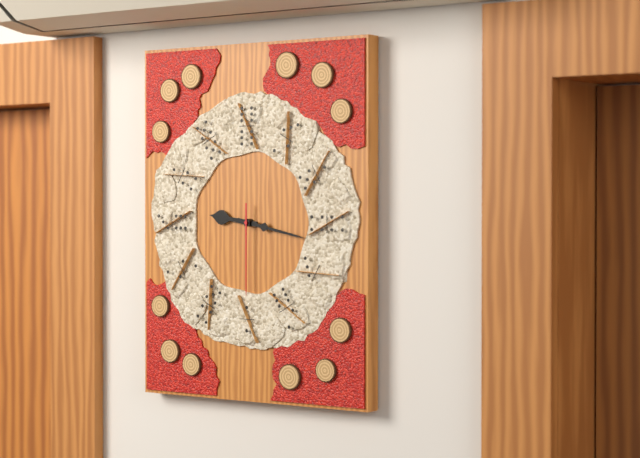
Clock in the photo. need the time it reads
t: 9:17:30
